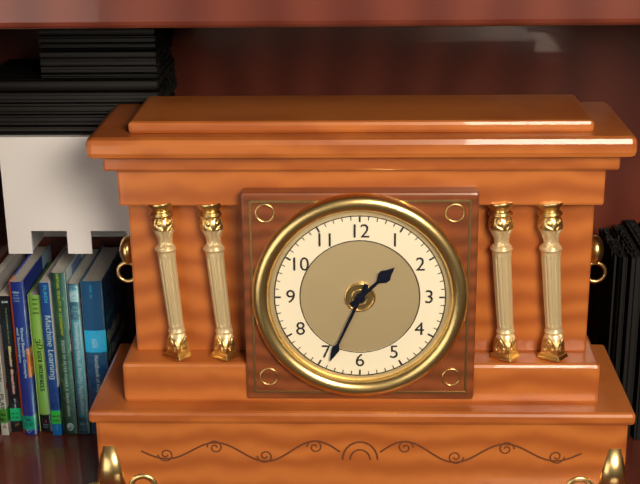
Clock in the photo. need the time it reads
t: 1:34
